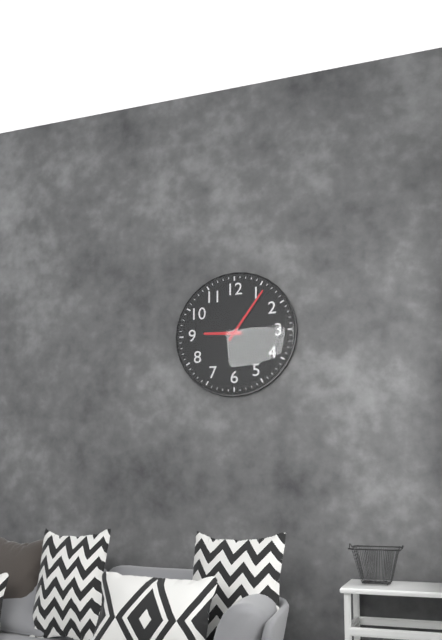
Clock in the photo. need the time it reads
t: 9:06
